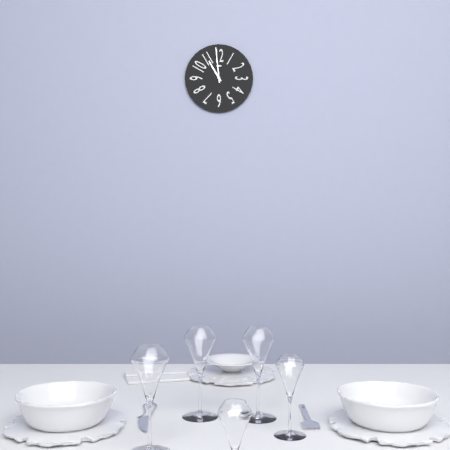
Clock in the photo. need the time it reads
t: 10:59
